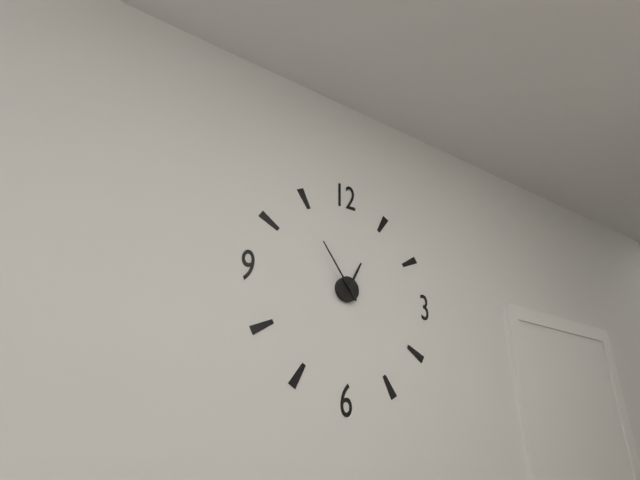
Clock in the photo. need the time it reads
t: 12:54
